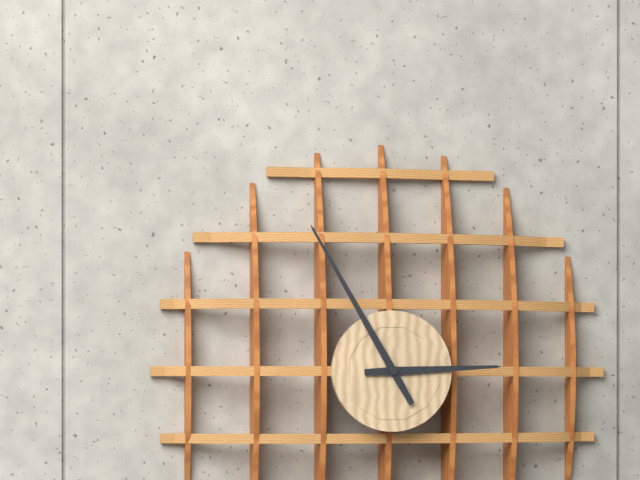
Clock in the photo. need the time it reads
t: 2:55
